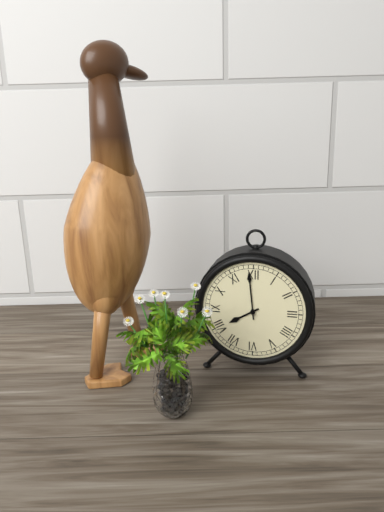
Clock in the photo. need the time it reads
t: 7:59
